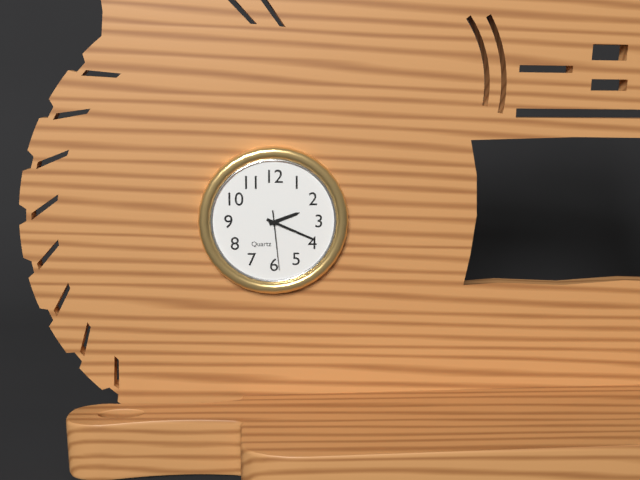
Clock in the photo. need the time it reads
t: 2:19:29
